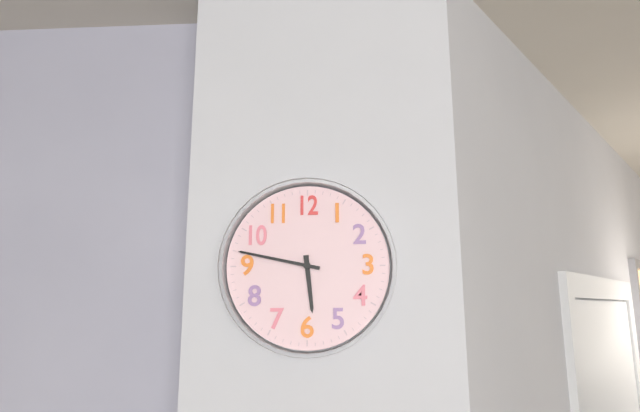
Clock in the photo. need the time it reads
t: 5:47
